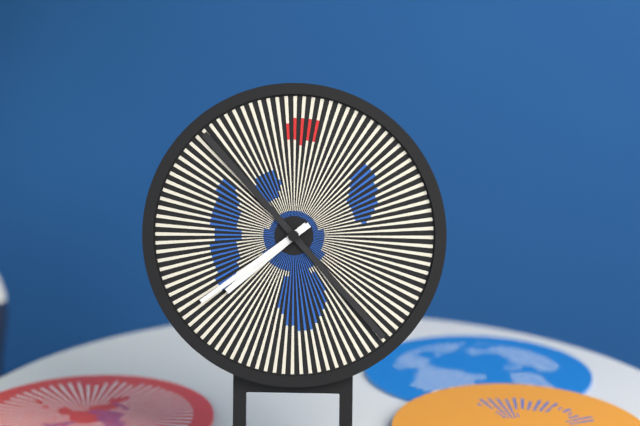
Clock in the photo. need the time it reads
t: 7:39
